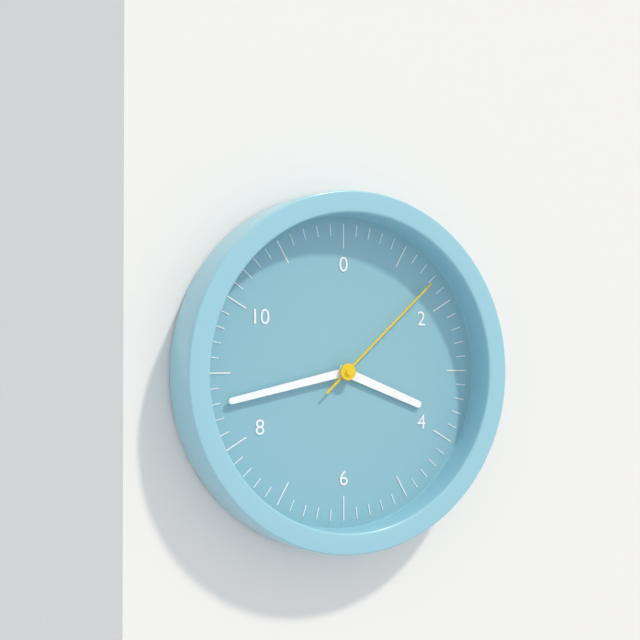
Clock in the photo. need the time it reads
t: 3:43:08
